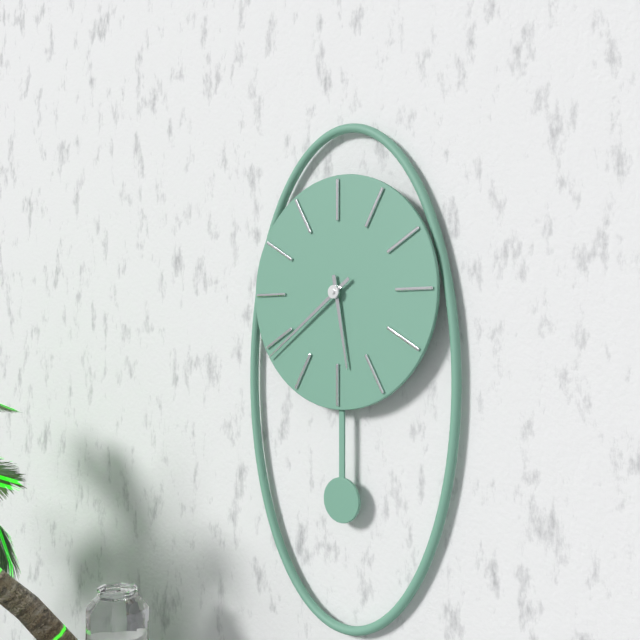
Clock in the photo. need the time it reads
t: 5:39
